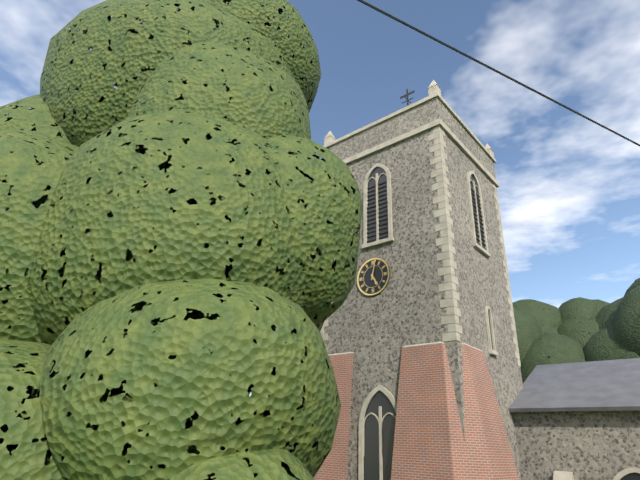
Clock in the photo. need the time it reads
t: 5:02
